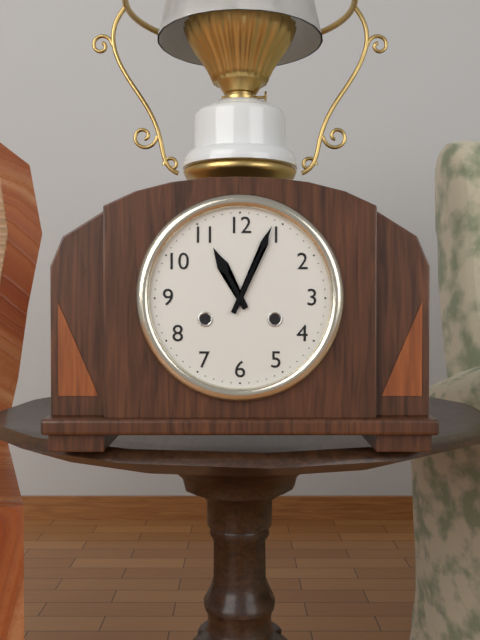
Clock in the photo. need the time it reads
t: 11:04
